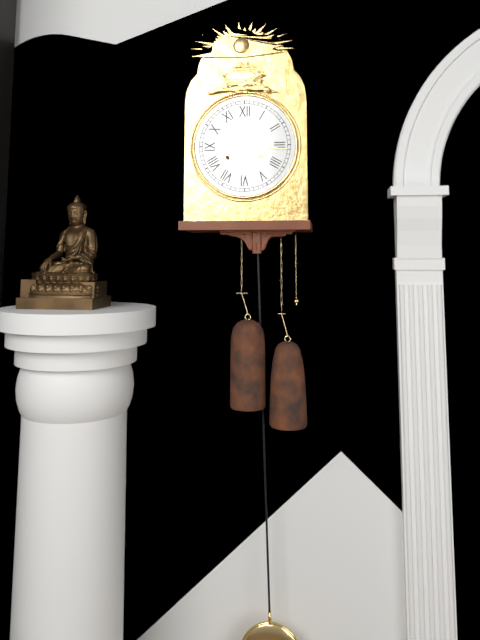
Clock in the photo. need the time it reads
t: 4:16
